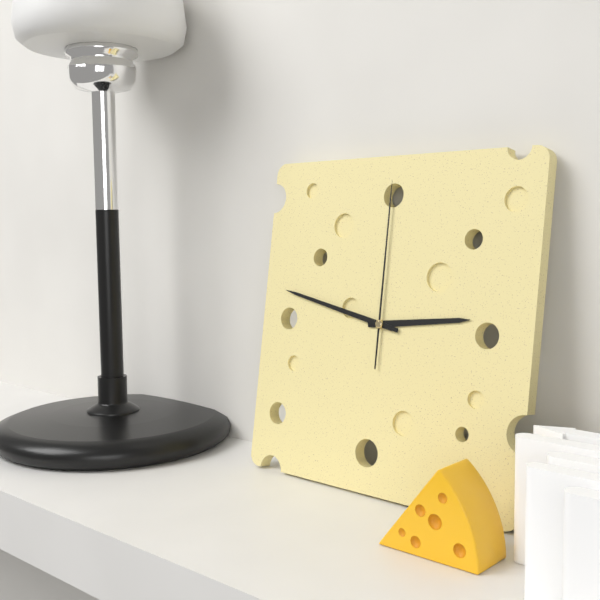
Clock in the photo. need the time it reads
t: 2:47:00
